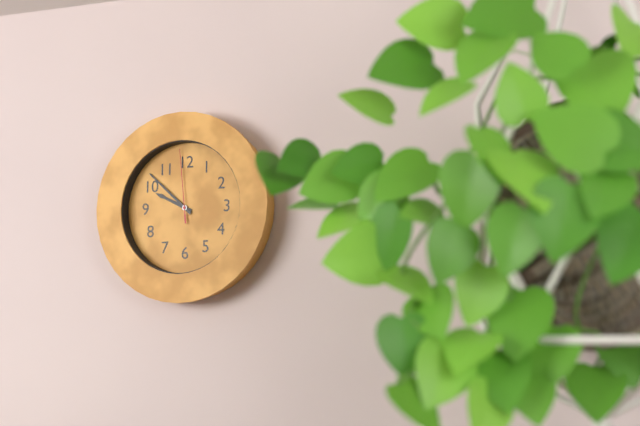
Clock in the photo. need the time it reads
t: 9:52:59
